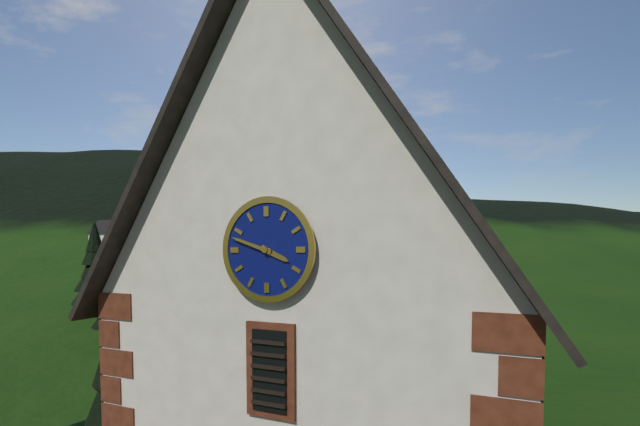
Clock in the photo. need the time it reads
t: 3:48
